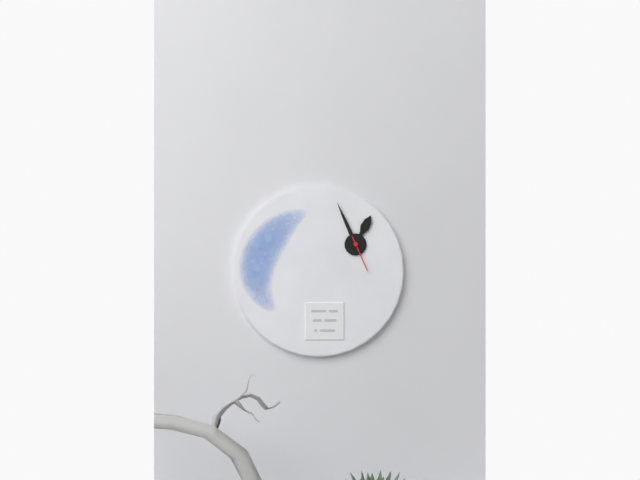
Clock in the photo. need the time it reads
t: 12:56
